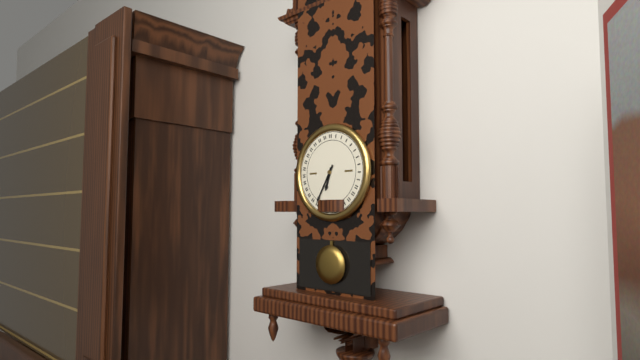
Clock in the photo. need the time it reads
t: 6:35
